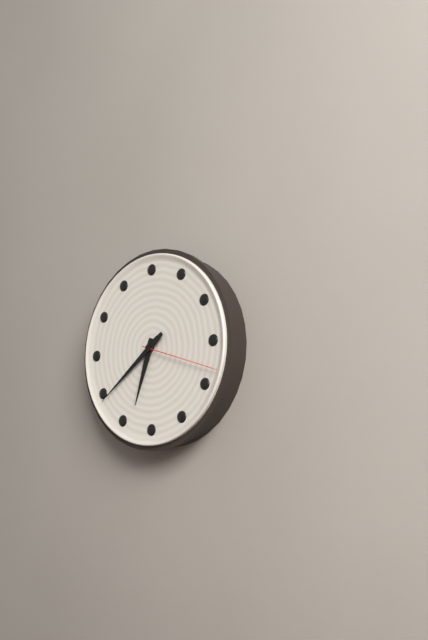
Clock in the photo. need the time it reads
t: 6:39:18
